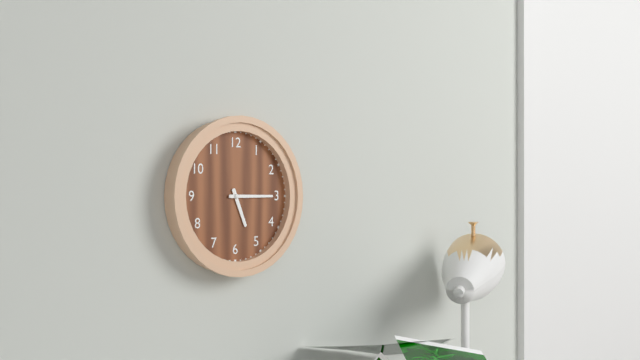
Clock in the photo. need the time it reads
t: 5:15
